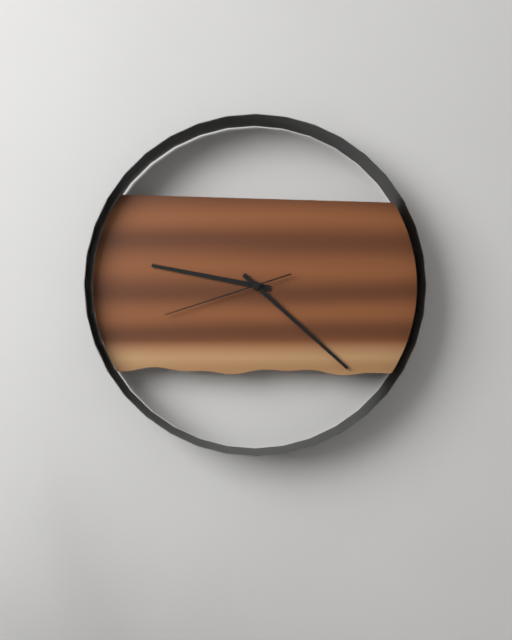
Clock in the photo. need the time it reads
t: 9:22:42
